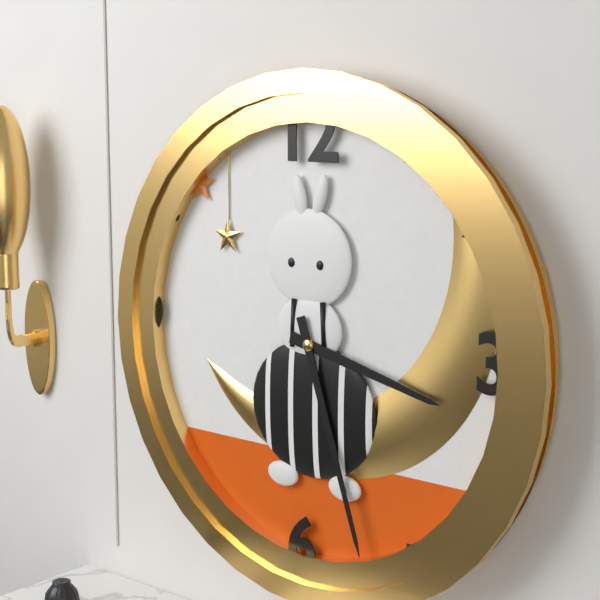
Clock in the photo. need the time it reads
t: 3:27
